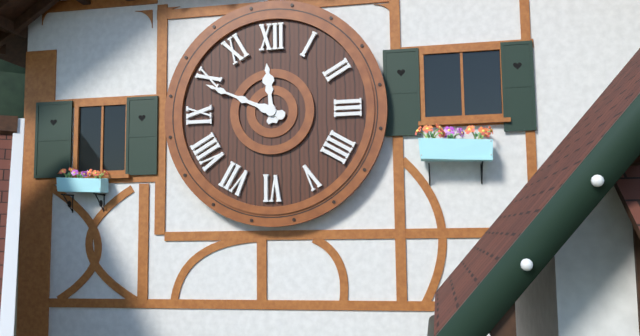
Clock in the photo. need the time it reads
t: 11:49
